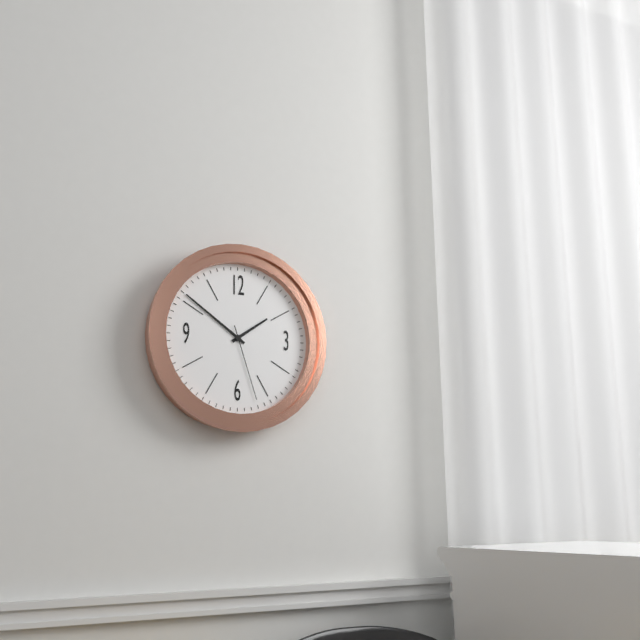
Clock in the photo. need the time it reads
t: 1:51:27
